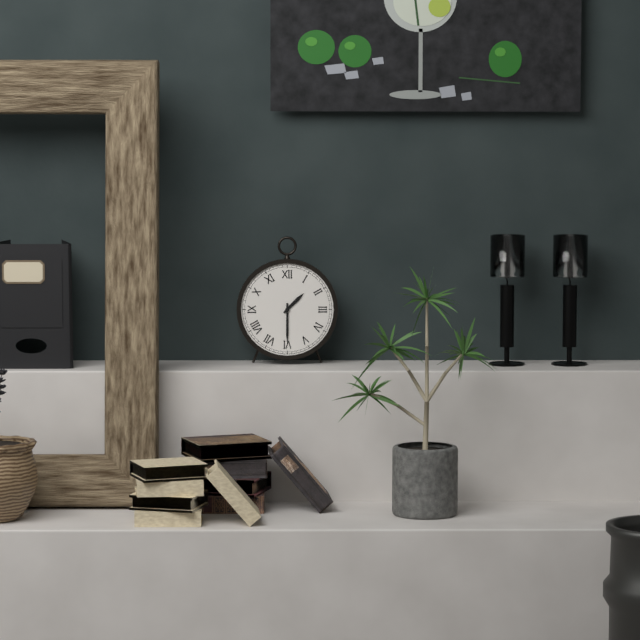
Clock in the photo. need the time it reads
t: 1:30
